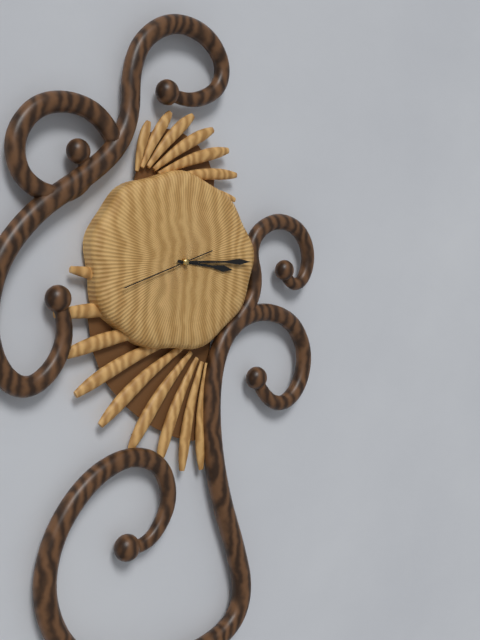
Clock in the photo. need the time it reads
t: 3:15:42
